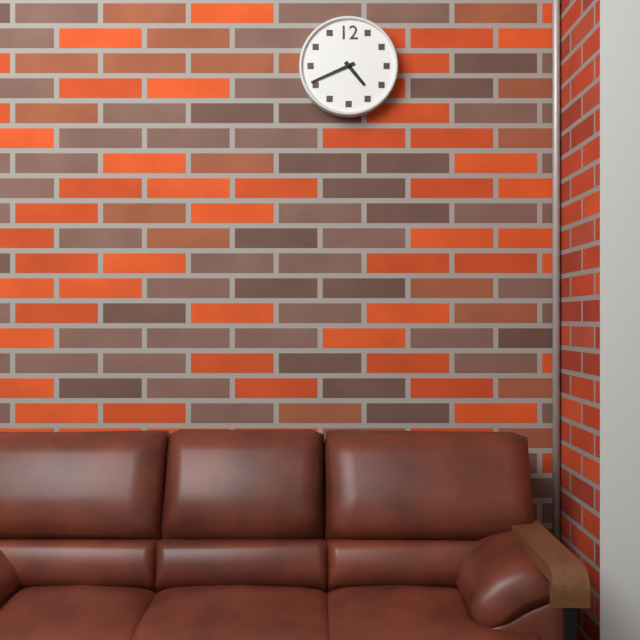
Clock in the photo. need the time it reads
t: 4:41
